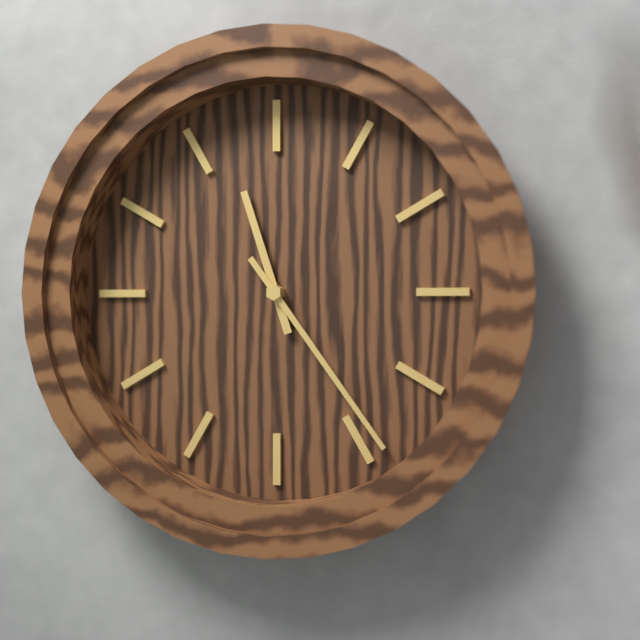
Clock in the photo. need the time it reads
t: 11:24
